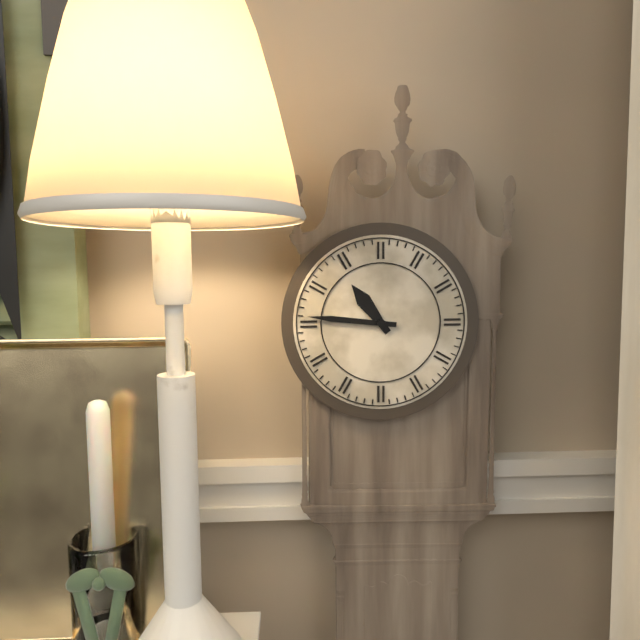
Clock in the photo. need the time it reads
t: 10:46
